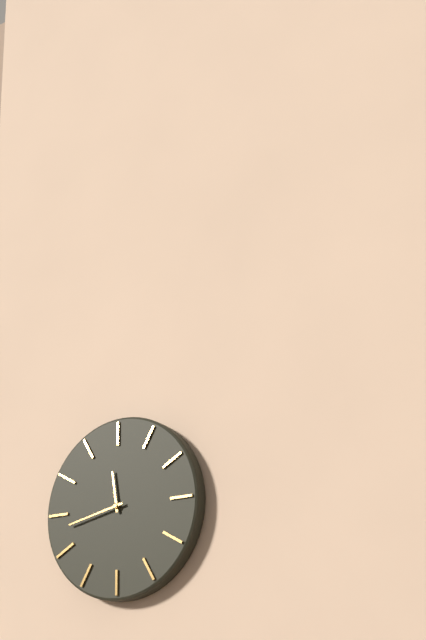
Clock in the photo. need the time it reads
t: 11:43
